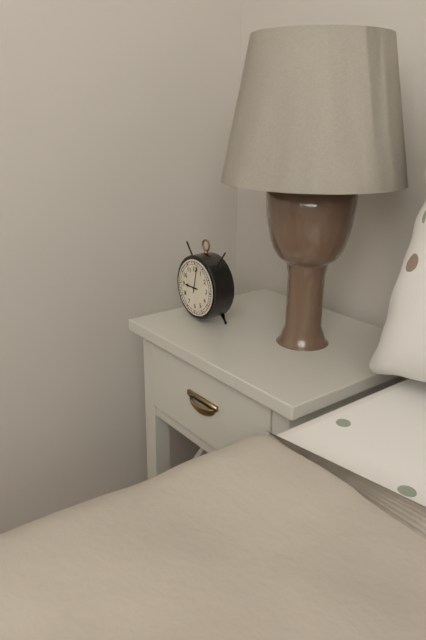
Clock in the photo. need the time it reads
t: 9:02
